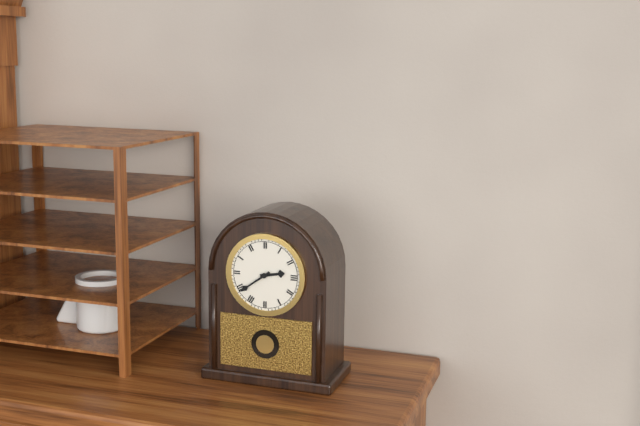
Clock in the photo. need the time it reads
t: 2:39
